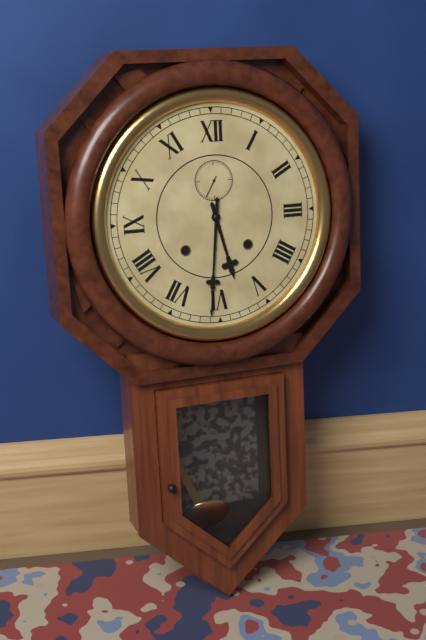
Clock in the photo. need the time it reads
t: 5:31
